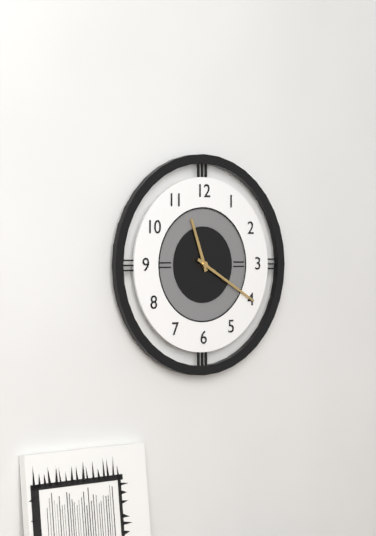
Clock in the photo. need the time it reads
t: 11:20
